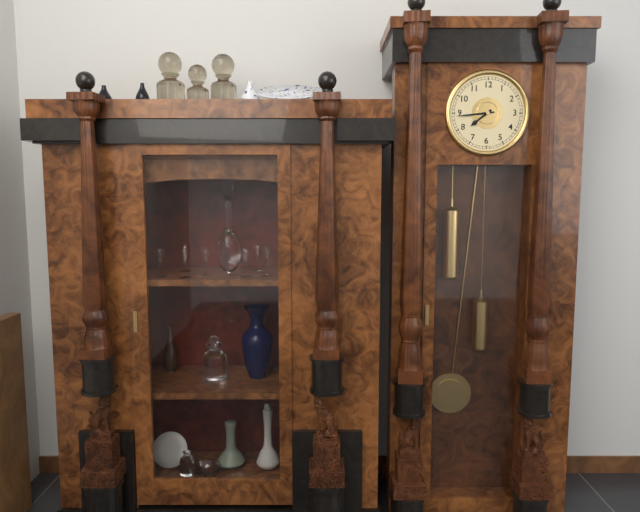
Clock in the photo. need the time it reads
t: 7:44
